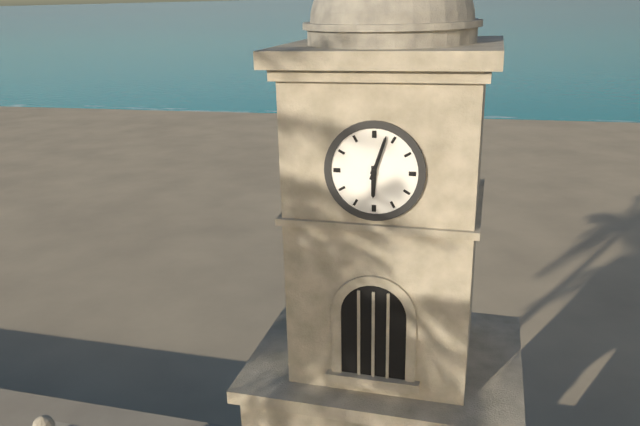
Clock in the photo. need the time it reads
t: 6:03
